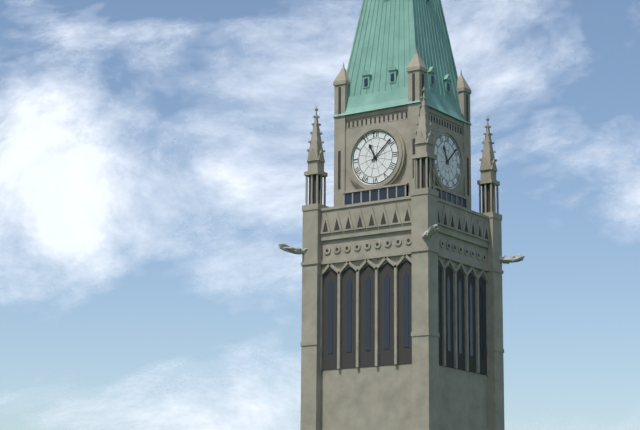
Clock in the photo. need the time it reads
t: 11:08
